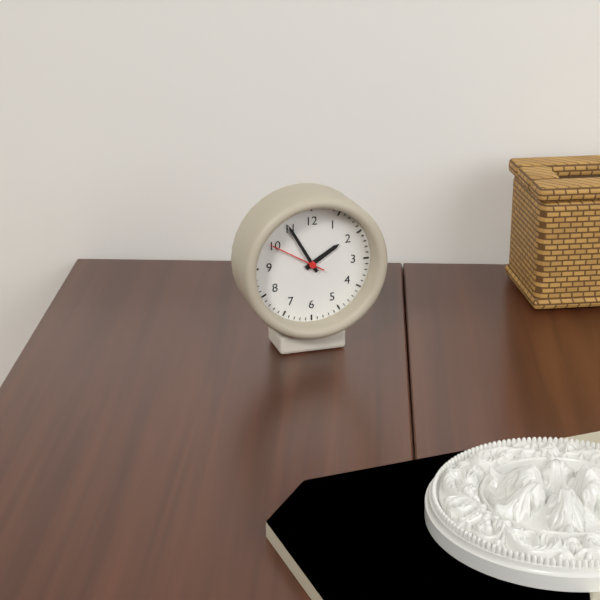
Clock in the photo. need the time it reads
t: 1:55:50
